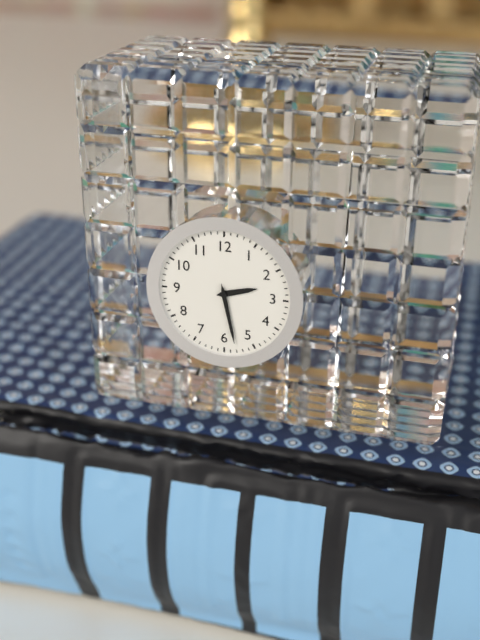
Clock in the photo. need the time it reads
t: 2:28
